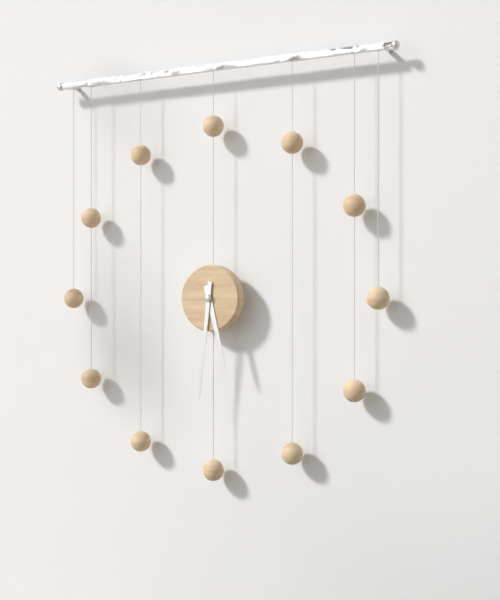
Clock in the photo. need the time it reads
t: 5:31
